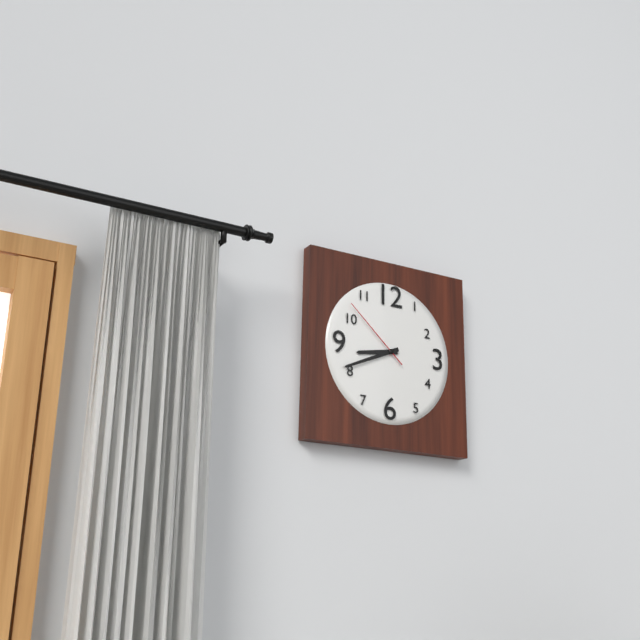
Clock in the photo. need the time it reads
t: 8:41:52
